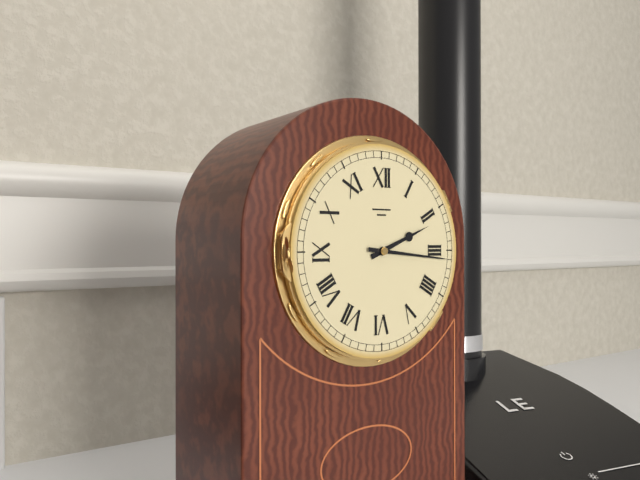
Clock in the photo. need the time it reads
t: 2:16
